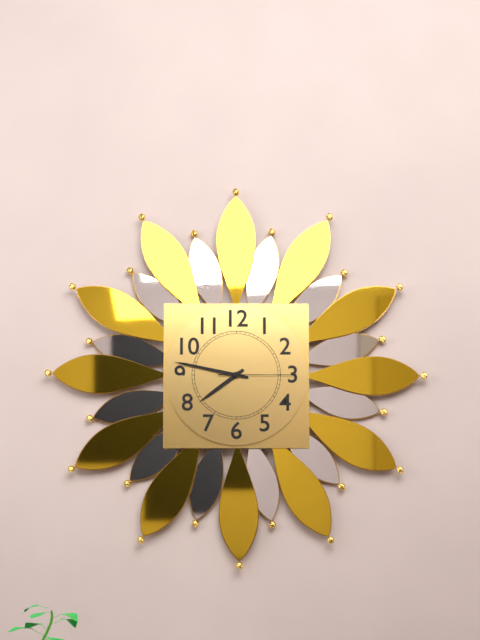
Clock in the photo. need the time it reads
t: 7:47:15
